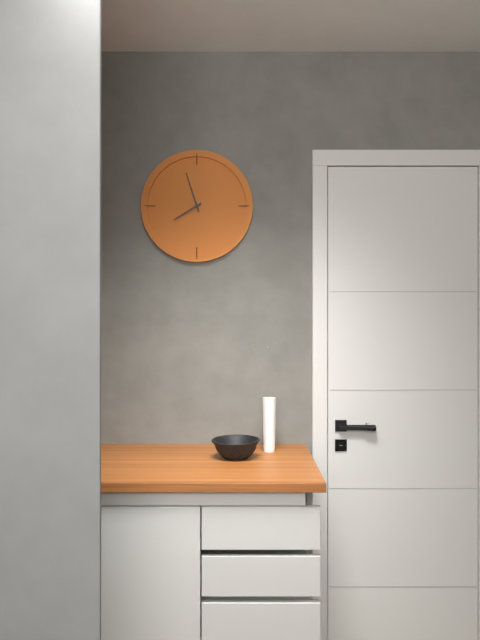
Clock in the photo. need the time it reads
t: 7:57
